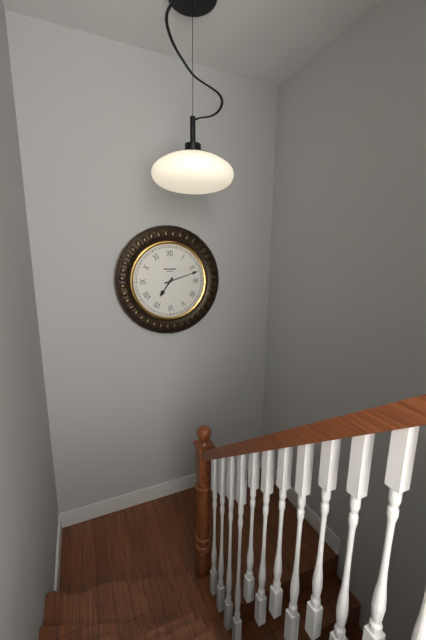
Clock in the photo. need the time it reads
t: 7:12
